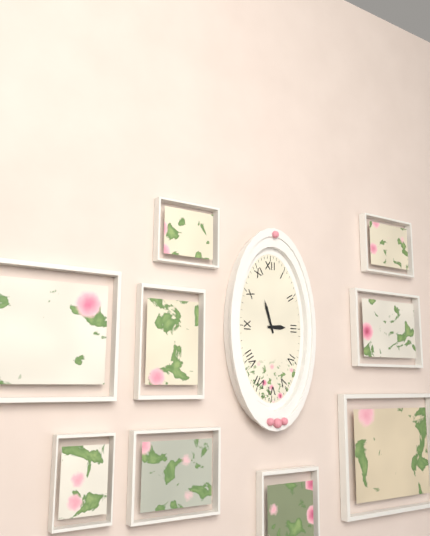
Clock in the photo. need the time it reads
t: 2:57
